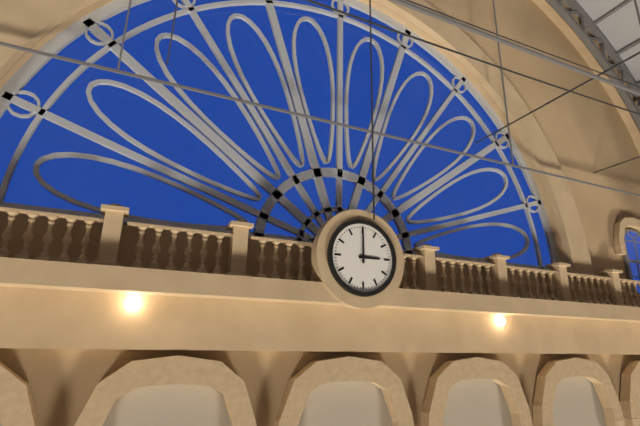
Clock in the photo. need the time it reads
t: 3:00
